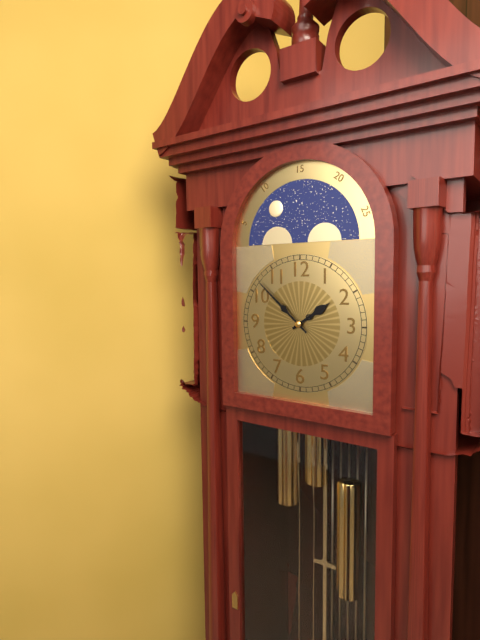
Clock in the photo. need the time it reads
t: 1:52
